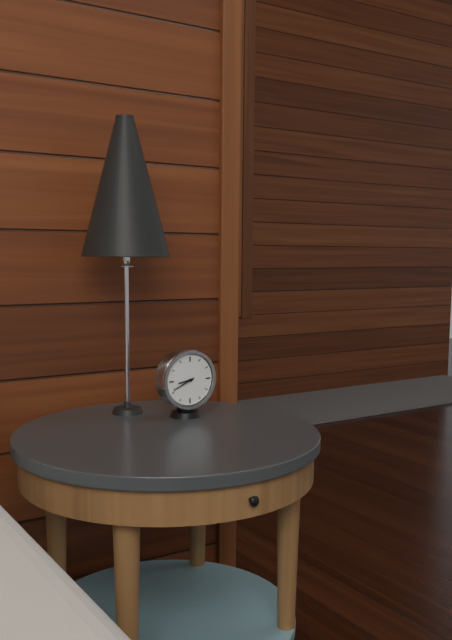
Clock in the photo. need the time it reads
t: 8:41
